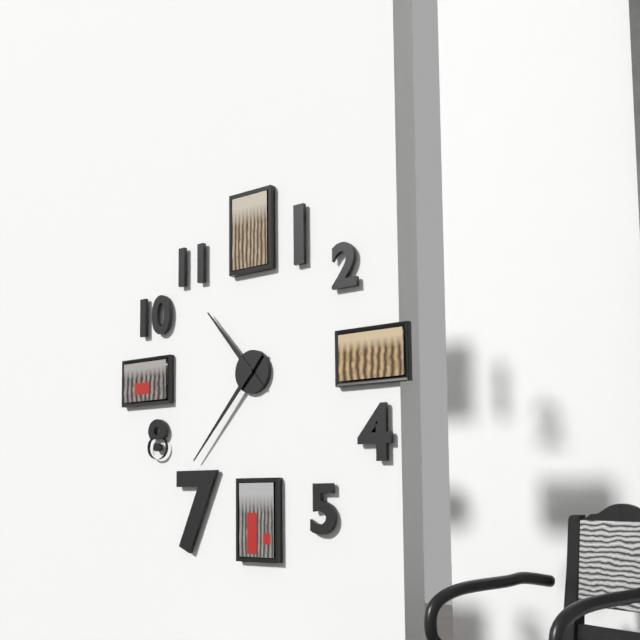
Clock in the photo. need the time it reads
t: 10:37
